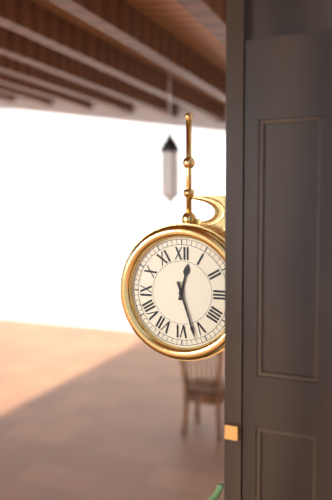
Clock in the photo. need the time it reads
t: 12:27
